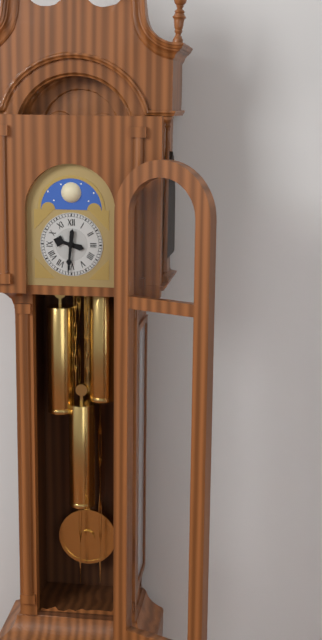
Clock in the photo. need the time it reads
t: 9:31
